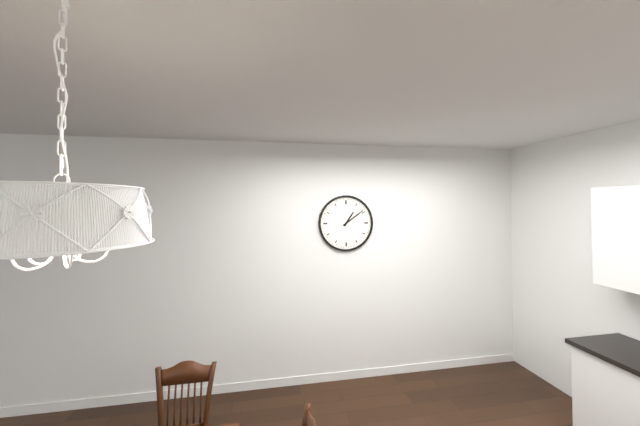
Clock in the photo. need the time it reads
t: 1:09
